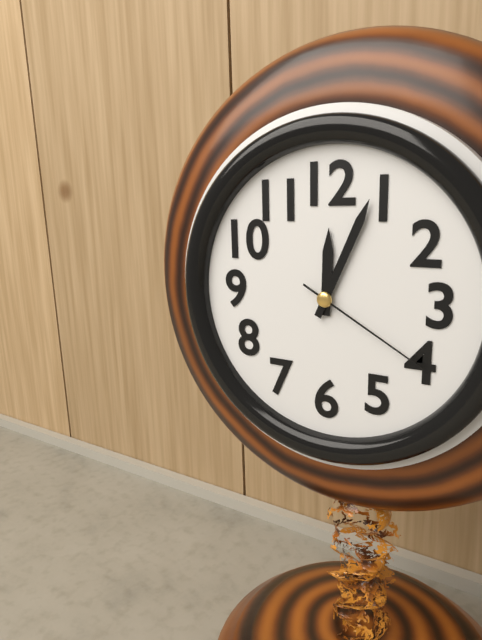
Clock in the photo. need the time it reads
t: 12:04:20
